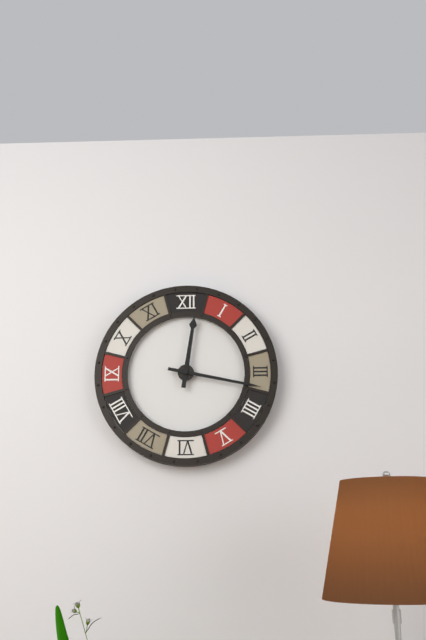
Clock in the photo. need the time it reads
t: 12:17
